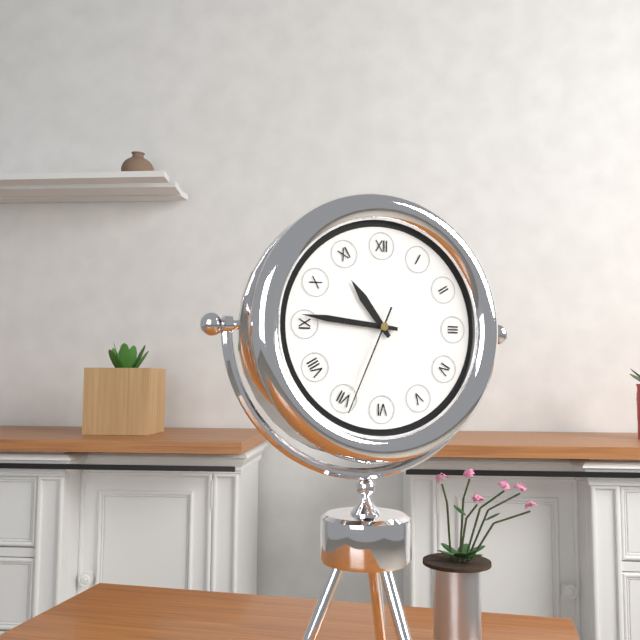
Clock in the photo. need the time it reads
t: 10:46:34
